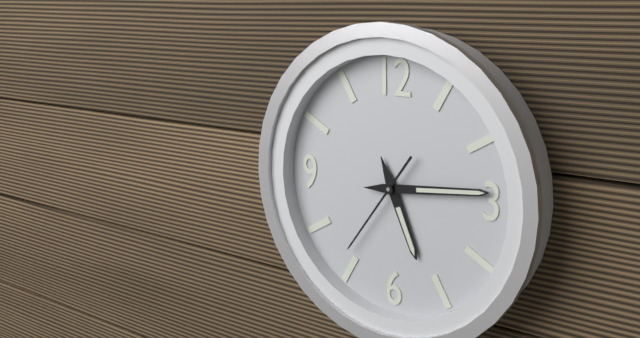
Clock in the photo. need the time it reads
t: 5:14:36
